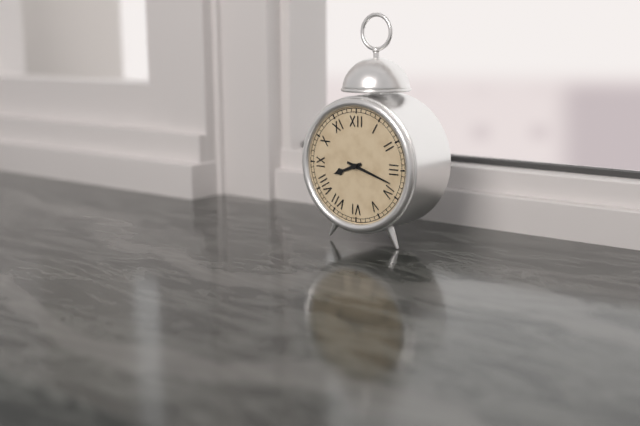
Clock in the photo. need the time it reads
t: 8:18
